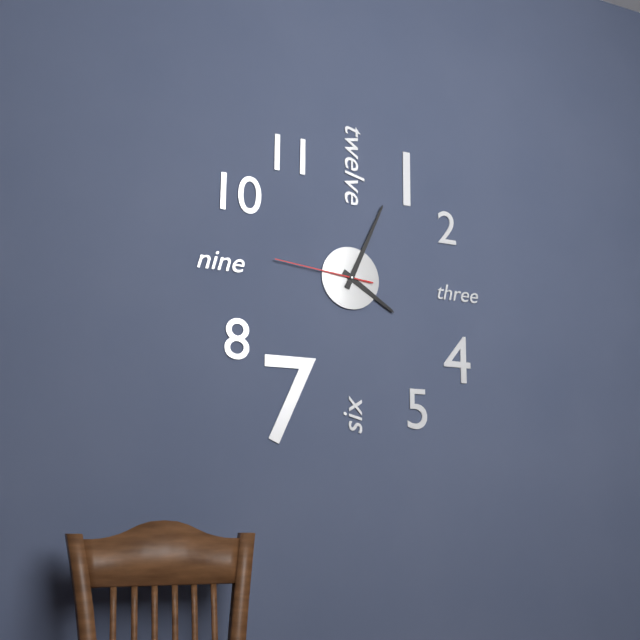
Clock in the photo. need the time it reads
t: 4:04:46
